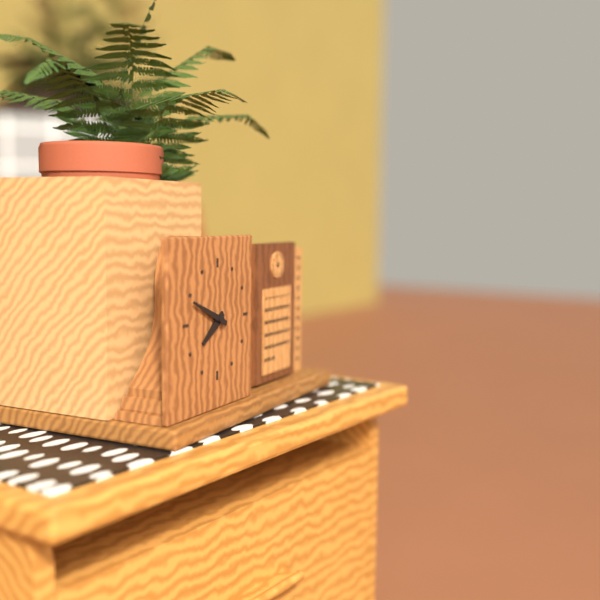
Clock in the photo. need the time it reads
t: 7:49
